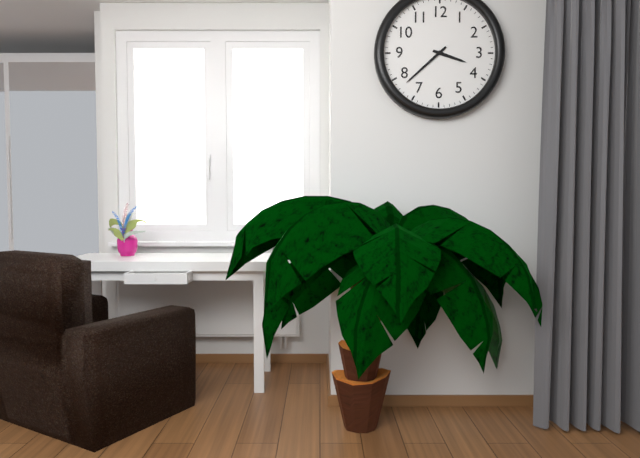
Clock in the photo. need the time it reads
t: 3:38
